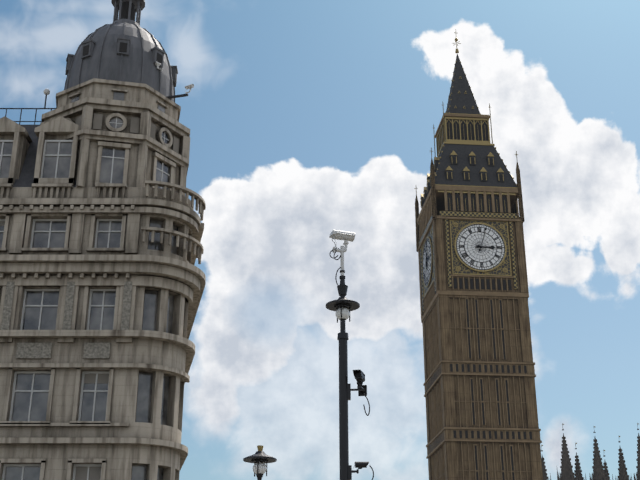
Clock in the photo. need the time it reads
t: 3:03
